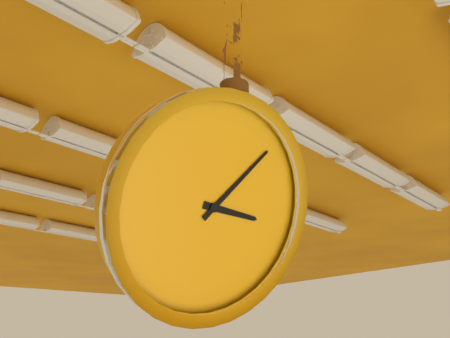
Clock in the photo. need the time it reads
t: 3:06
